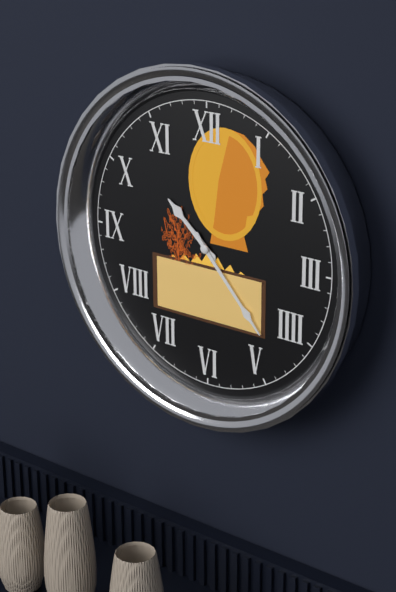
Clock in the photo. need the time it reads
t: 10:23
